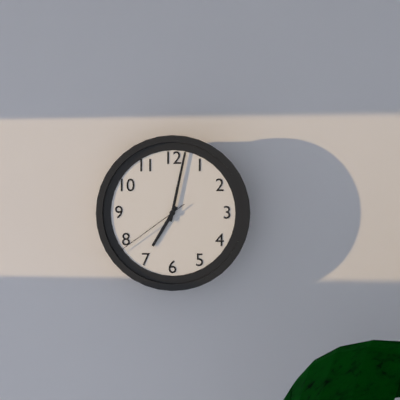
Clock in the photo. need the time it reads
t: 7:02:39
